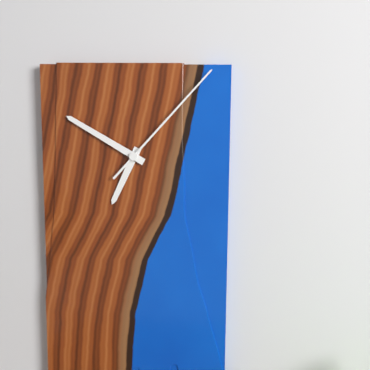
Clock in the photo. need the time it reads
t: 6:50:07
